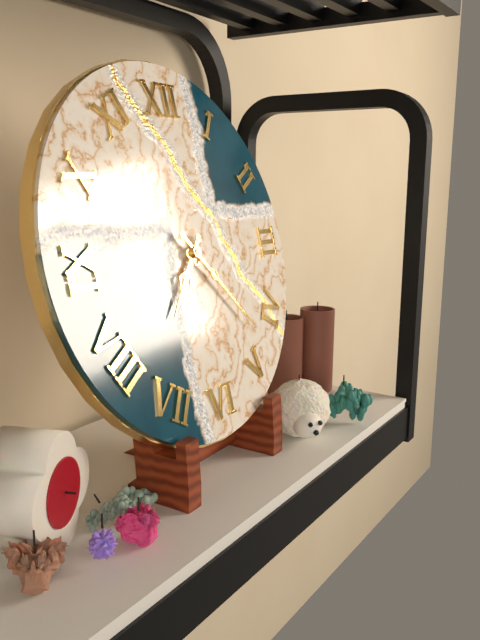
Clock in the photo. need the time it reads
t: 7:23
